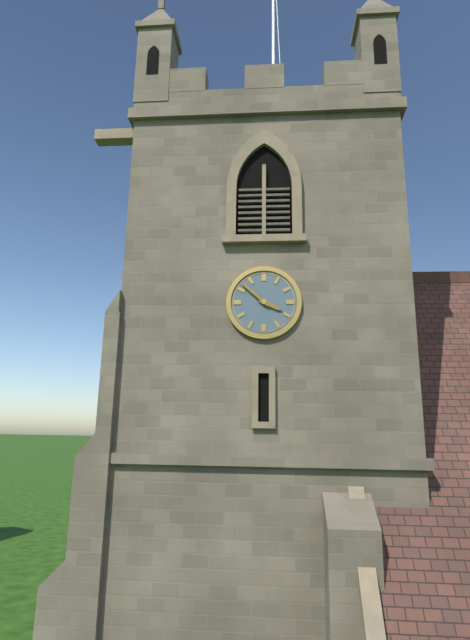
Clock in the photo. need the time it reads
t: 3:52
